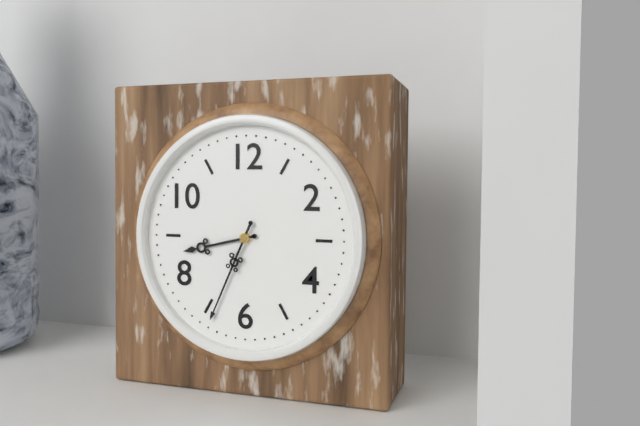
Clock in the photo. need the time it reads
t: 8:34
